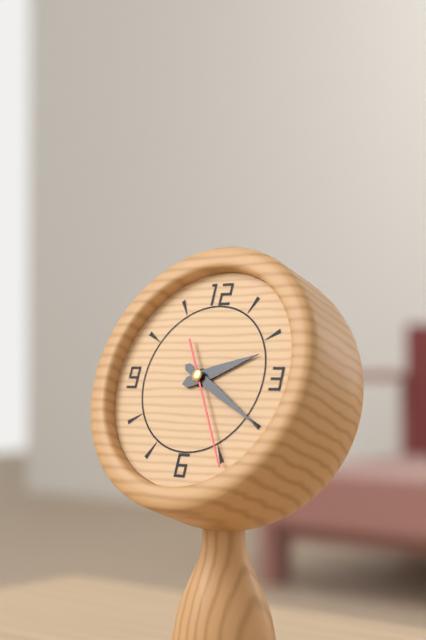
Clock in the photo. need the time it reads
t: 2:20:25
